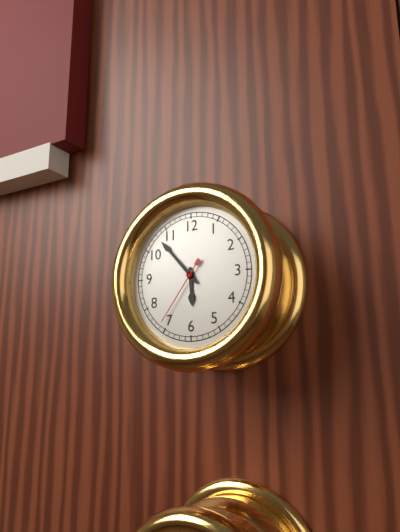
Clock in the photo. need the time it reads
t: 5:53:36
